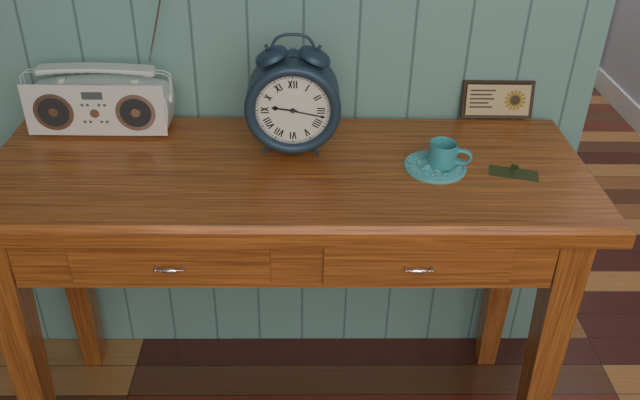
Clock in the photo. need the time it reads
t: 9:17
